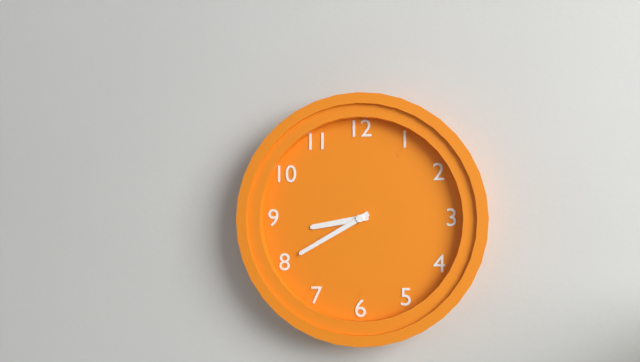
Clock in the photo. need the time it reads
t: 8:40
